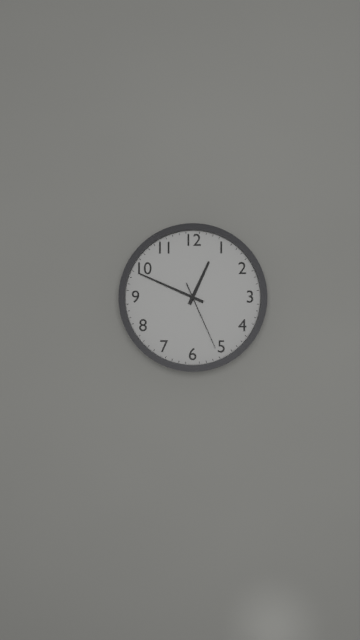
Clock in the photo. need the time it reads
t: 12:49:26
